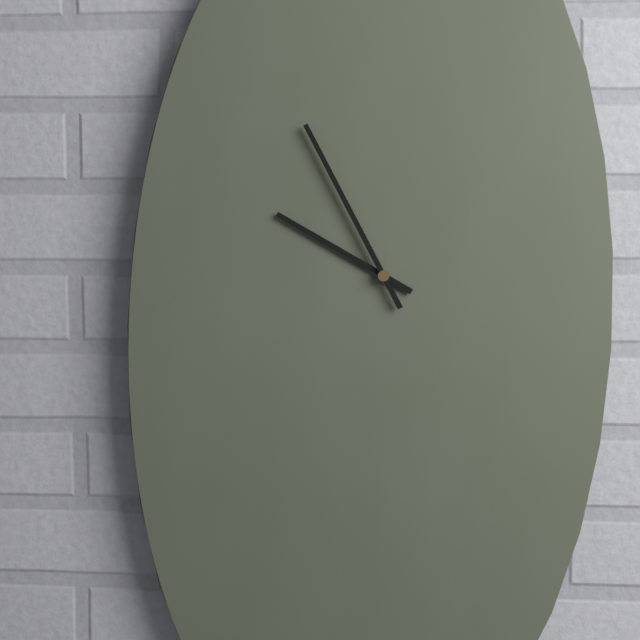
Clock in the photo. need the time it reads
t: 9:55
